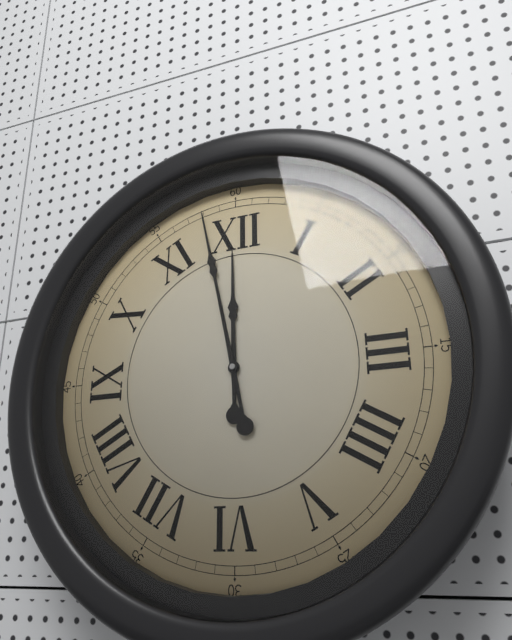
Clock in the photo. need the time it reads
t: 11:58
